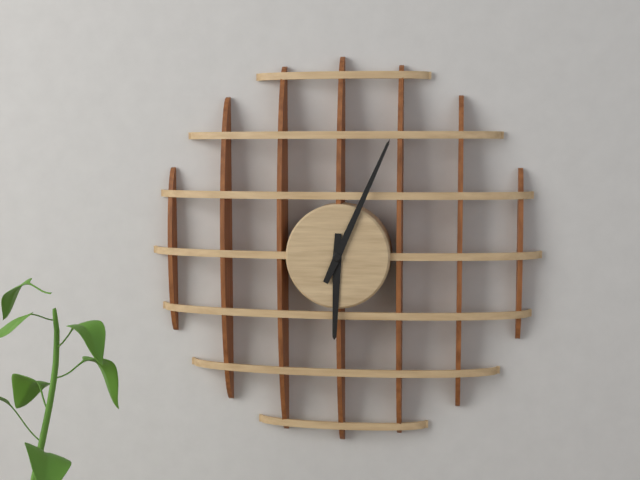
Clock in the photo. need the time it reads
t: 6:04
